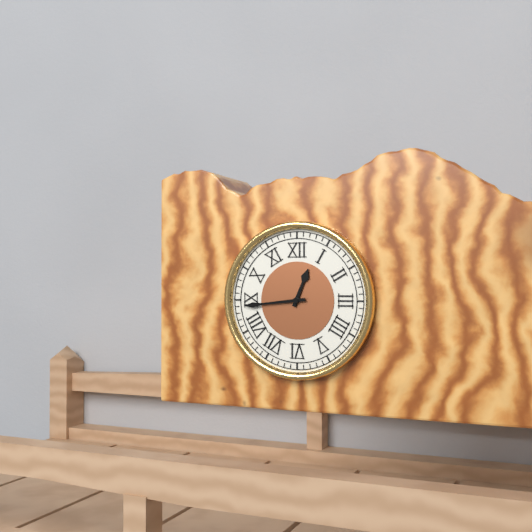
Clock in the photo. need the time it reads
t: 12:44
